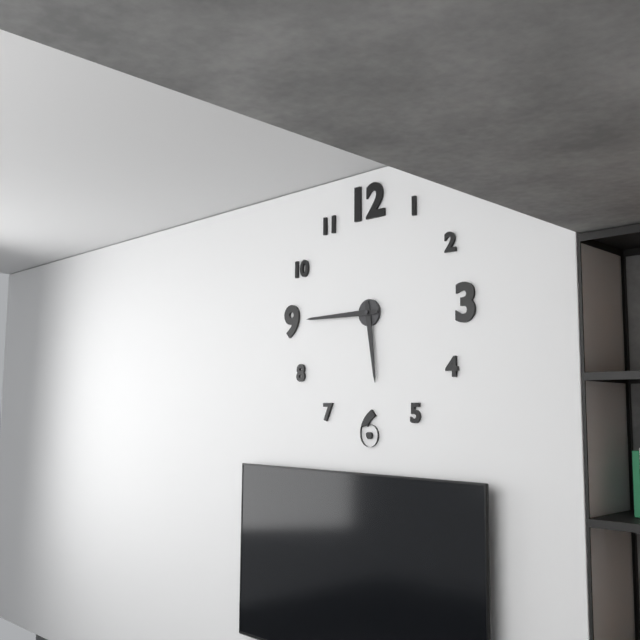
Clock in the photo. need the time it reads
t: 5:45
